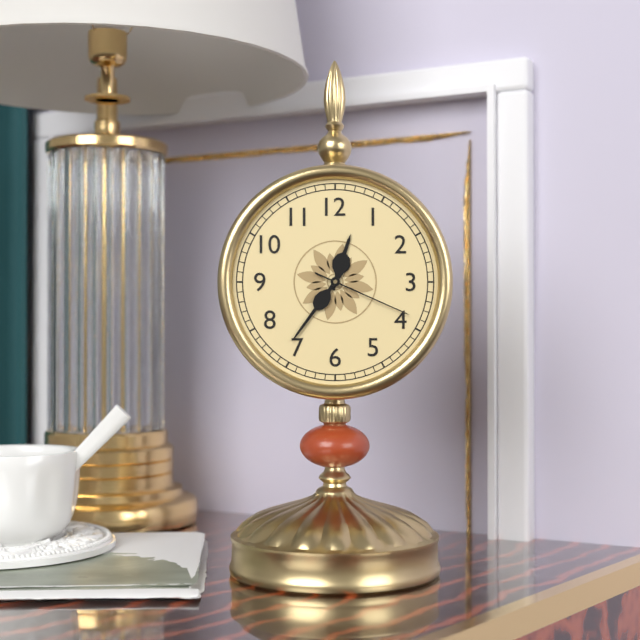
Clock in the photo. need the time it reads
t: 12:36:19
